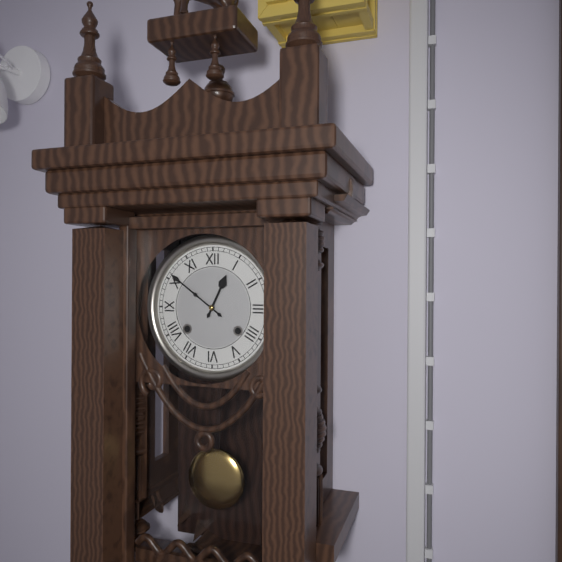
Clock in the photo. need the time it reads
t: 12:51
